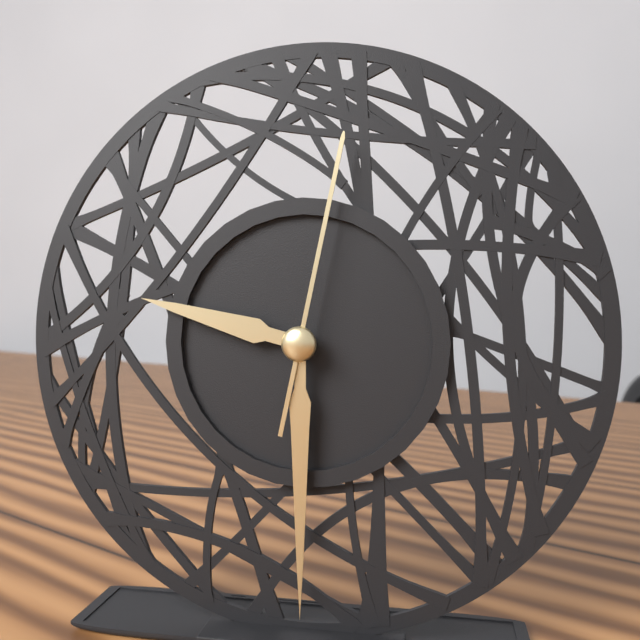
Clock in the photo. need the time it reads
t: 9:30:02
